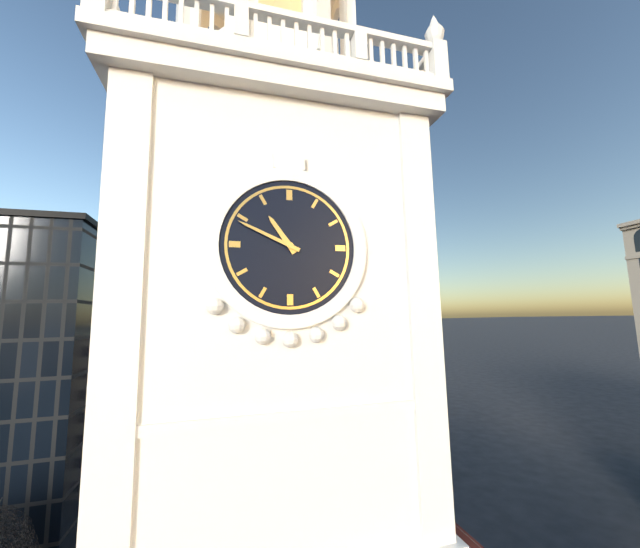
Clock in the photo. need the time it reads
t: 10:49
